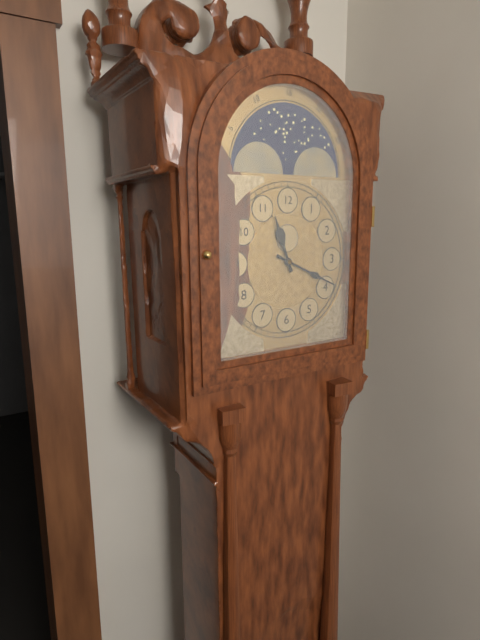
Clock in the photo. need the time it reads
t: 11:19
